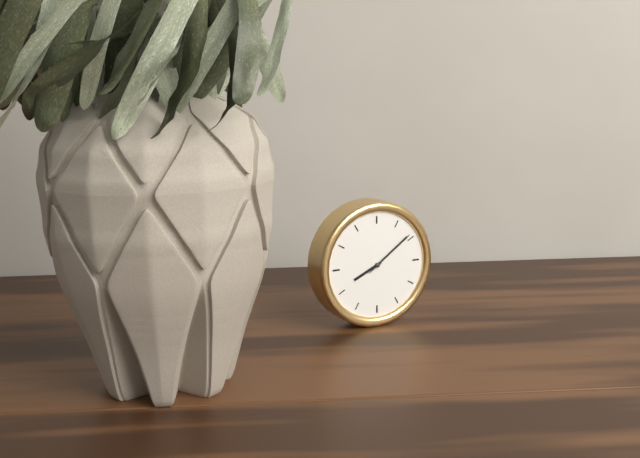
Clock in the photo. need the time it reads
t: 8:09:09
